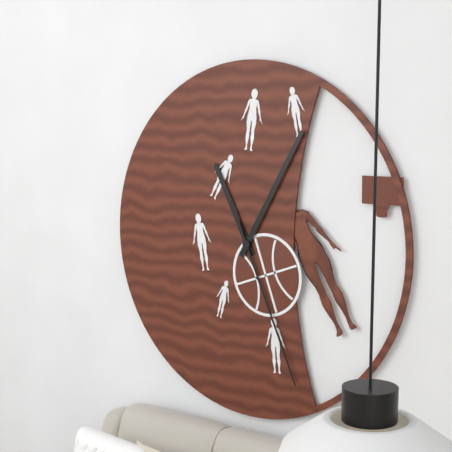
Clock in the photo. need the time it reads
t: 11:05:26
